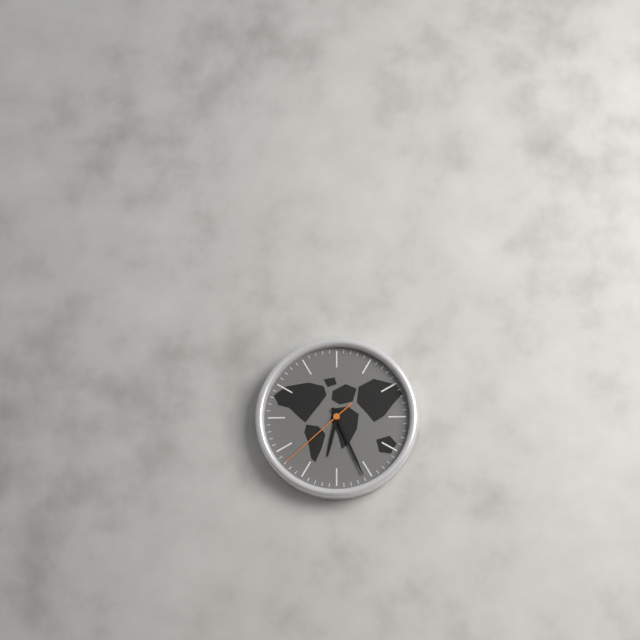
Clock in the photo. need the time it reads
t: 6:26:38
